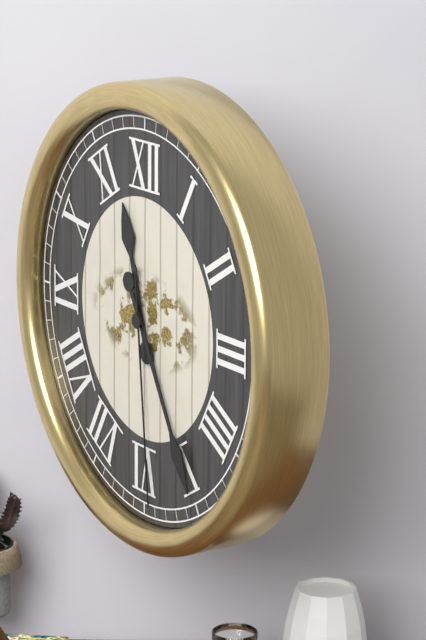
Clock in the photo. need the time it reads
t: 11:25:29
